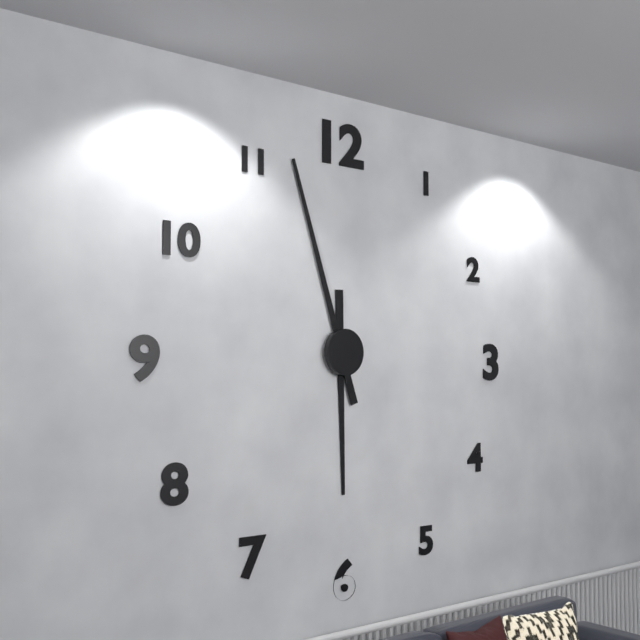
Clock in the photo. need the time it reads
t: 5:57
